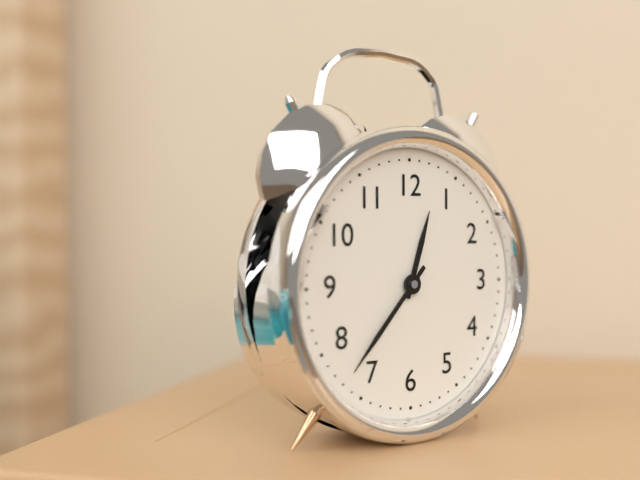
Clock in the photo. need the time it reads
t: 12:37
